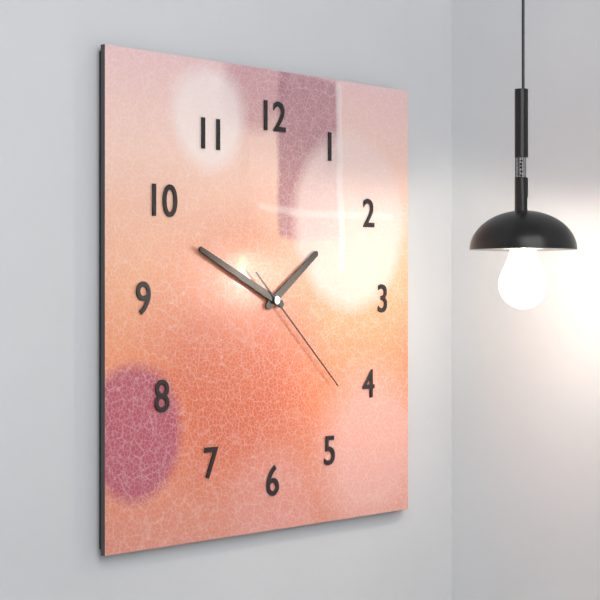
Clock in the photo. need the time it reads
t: 1:49:22
